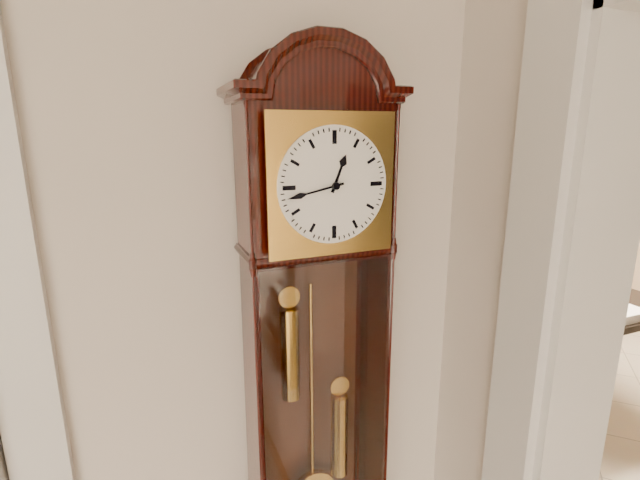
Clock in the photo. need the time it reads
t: 12:43
